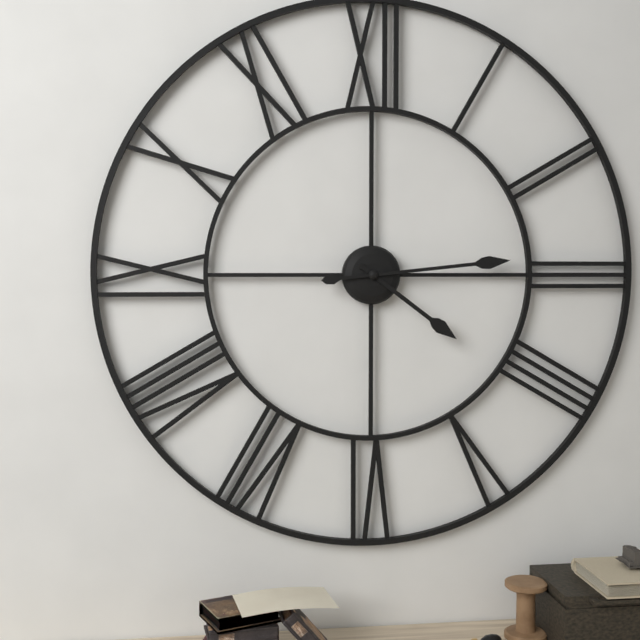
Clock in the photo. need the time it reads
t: 4:14
